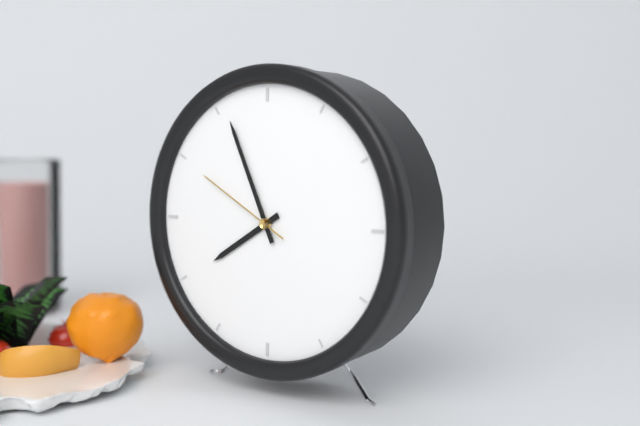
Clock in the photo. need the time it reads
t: 7:56:50
